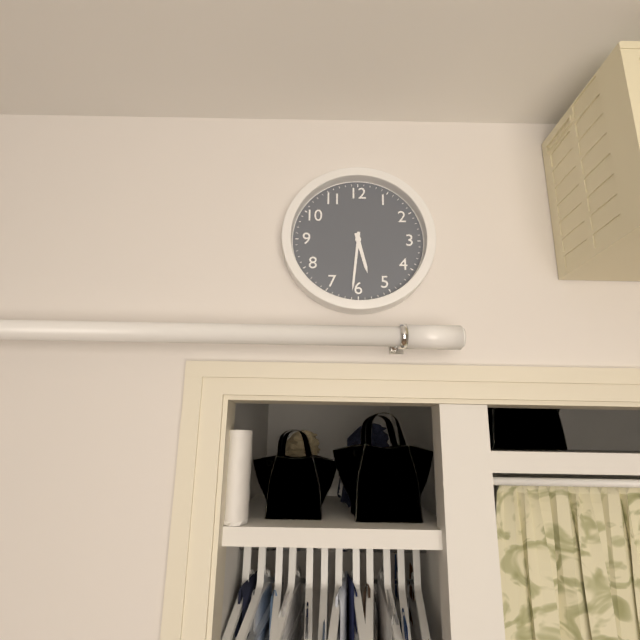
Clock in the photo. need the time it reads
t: 5:31
